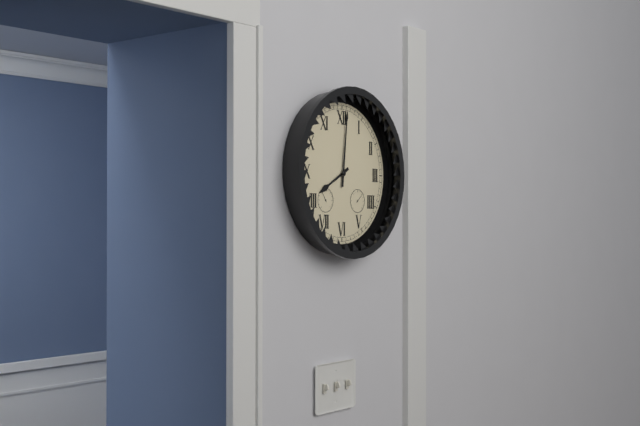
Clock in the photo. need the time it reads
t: 8:01
